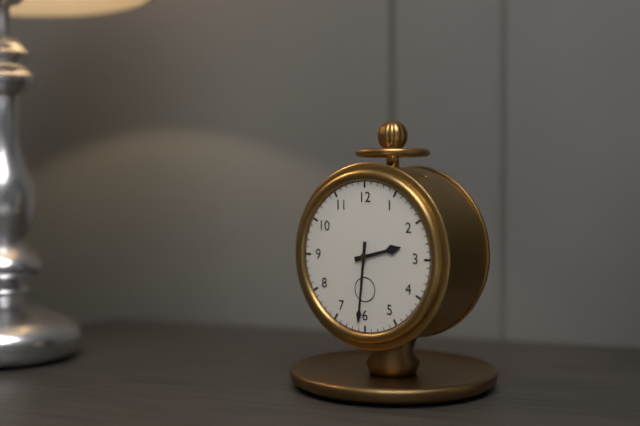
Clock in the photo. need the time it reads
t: 2:31
